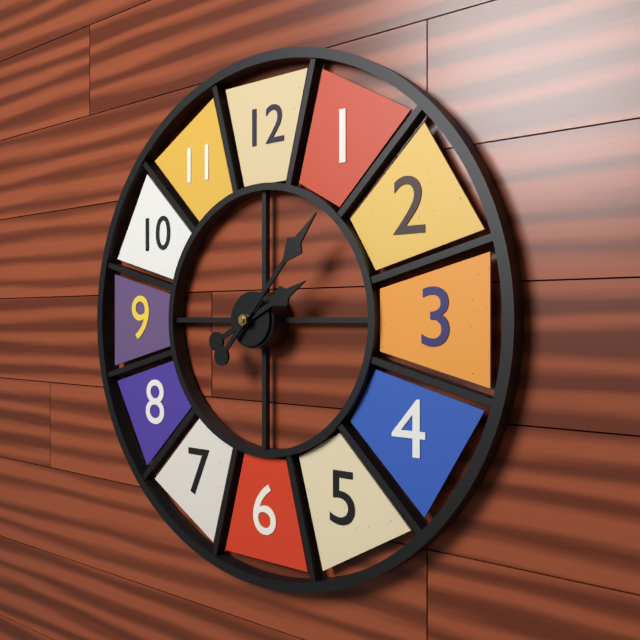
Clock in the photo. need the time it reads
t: 2:07
